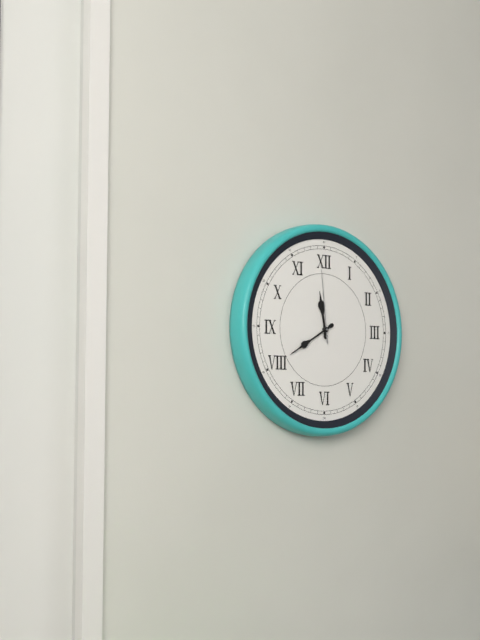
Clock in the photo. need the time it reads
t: 11:40:59
